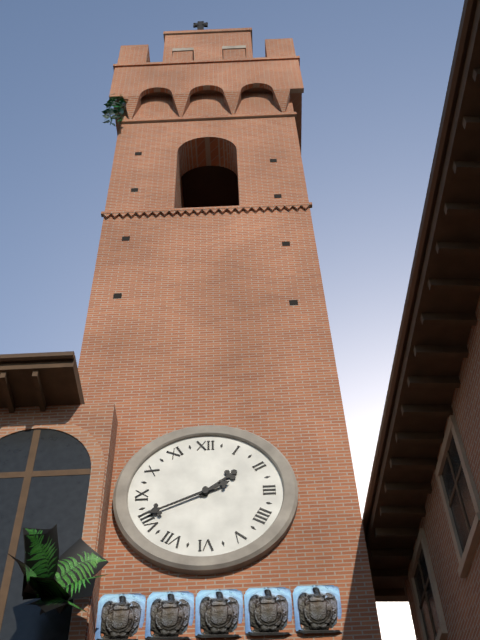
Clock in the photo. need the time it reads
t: 1:41
